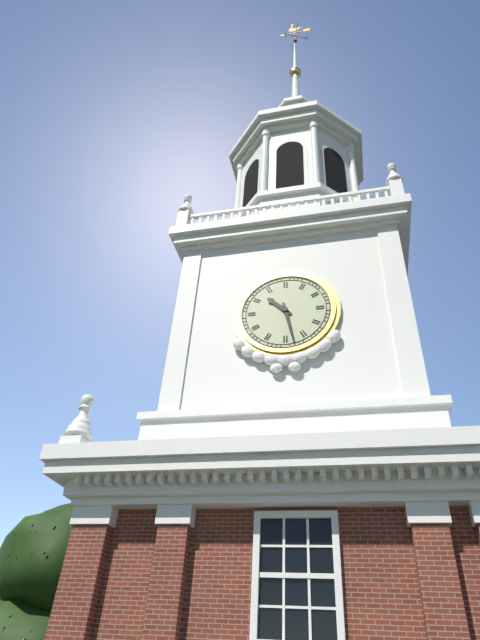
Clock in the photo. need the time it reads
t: 10:28
